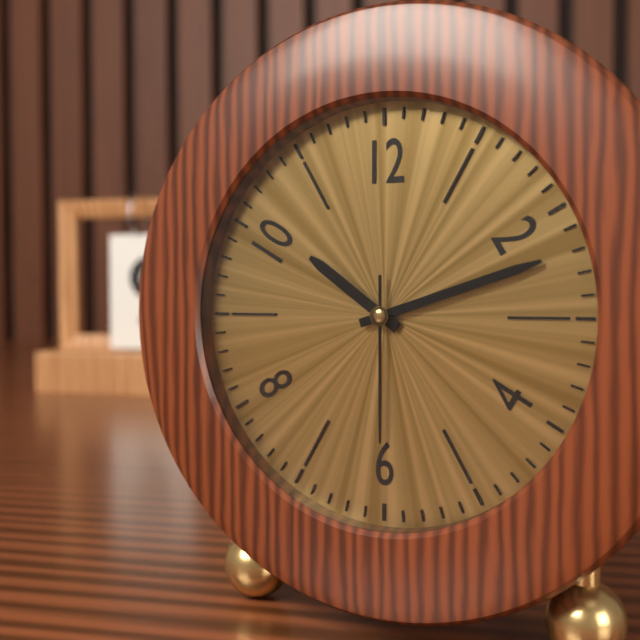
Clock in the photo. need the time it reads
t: 10:12:30
